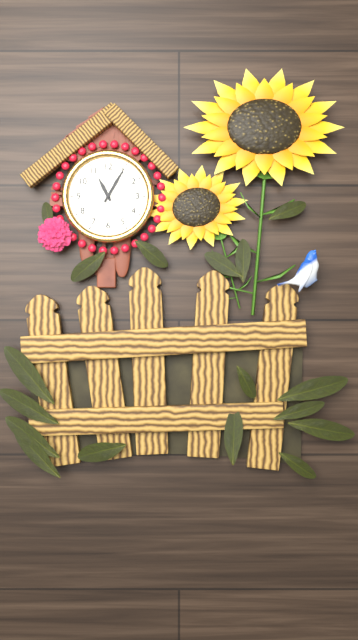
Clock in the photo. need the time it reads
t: 11:05
